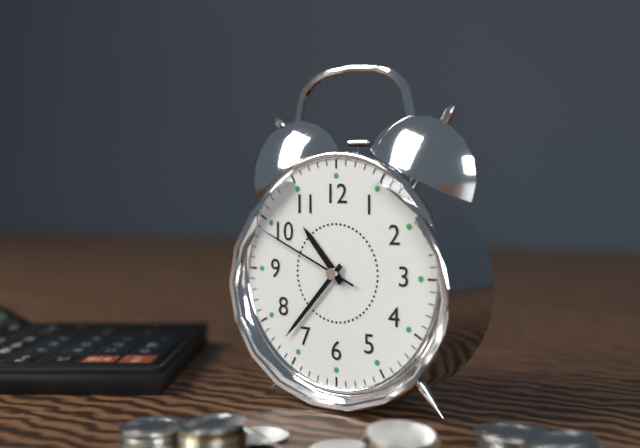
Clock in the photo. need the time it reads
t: 10:37:49
